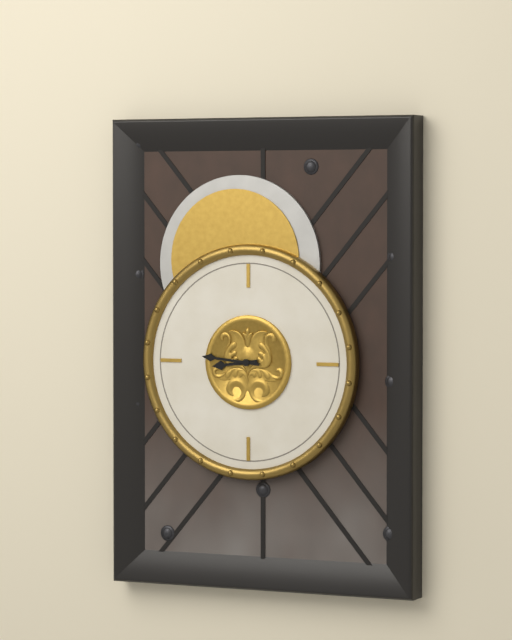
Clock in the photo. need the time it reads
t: 8:46
